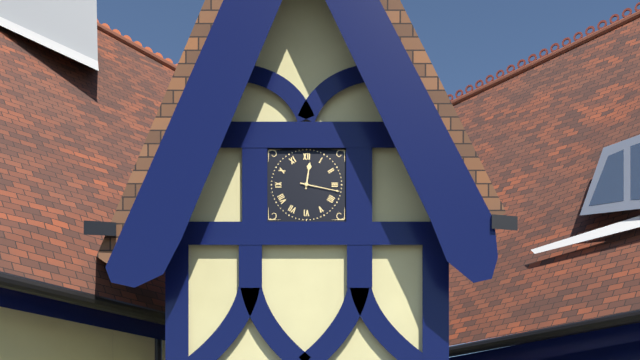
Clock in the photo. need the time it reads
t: 12:17
